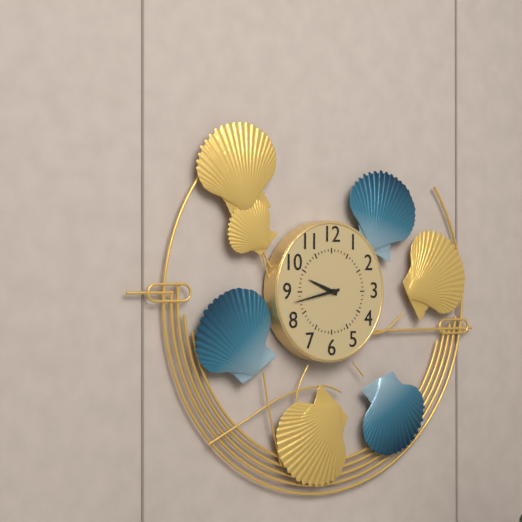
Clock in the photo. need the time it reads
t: 9:43
